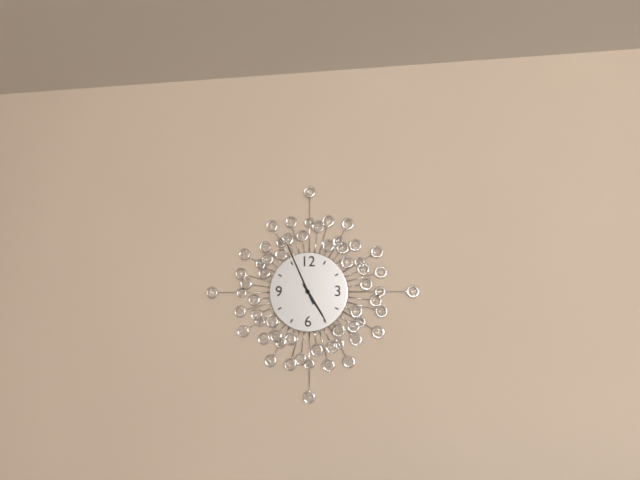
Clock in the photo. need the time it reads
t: 4:56
